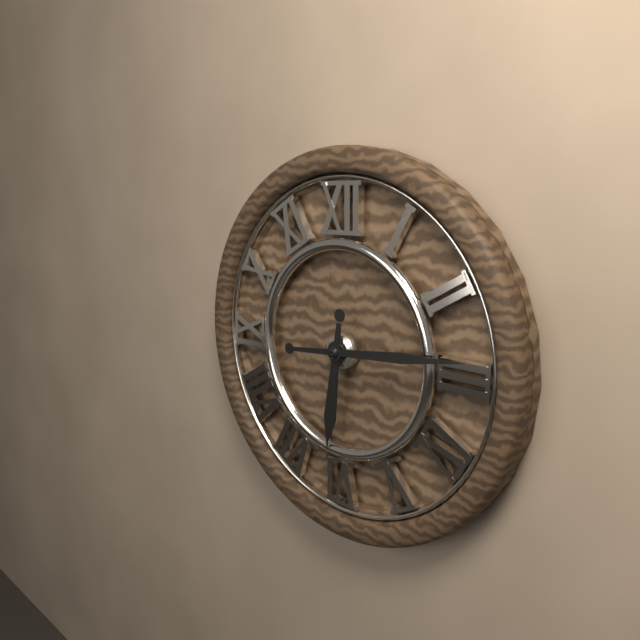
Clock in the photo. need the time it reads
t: 6:14
